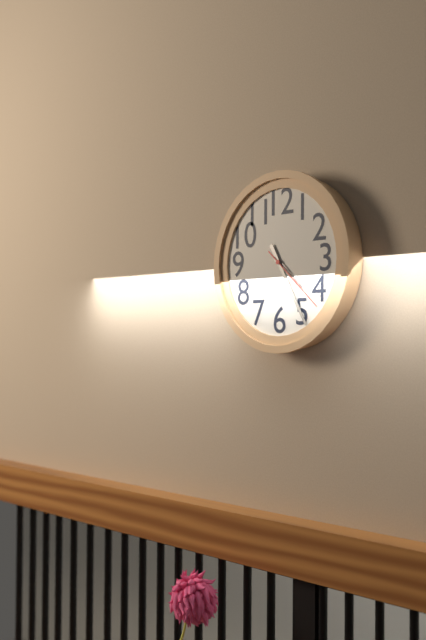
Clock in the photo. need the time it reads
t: 4:25:22
